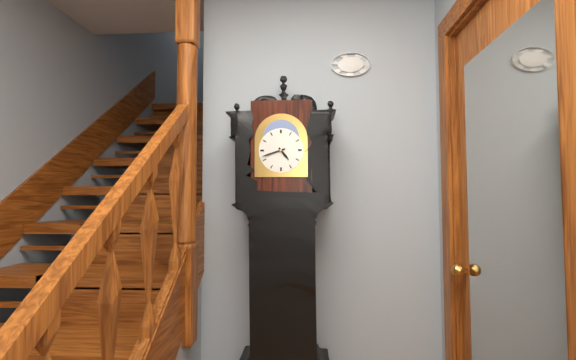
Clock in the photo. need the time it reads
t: 4:42
